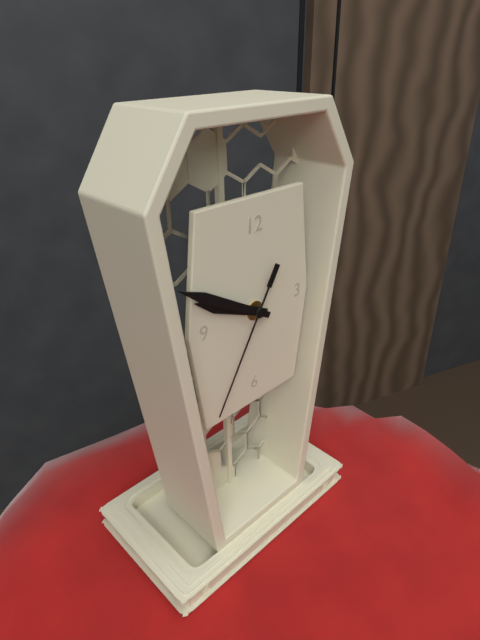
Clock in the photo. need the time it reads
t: 9:50:35
